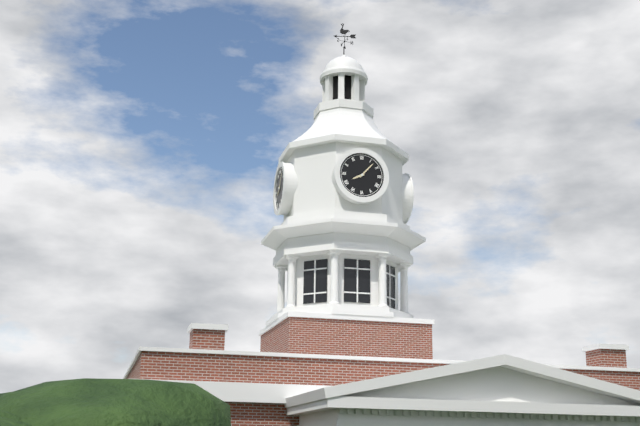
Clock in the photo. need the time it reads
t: 8:07
